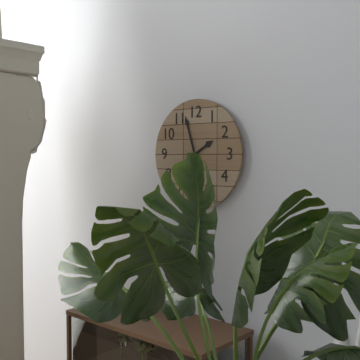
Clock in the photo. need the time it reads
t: 1:57
